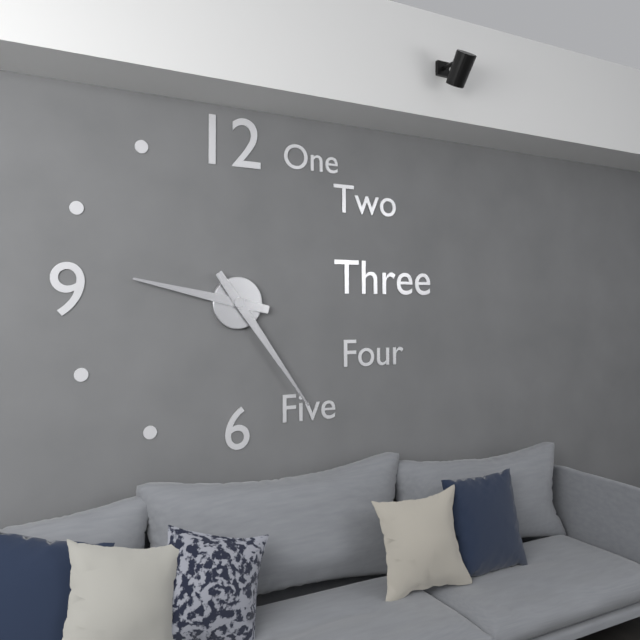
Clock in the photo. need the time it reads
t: 9:24
